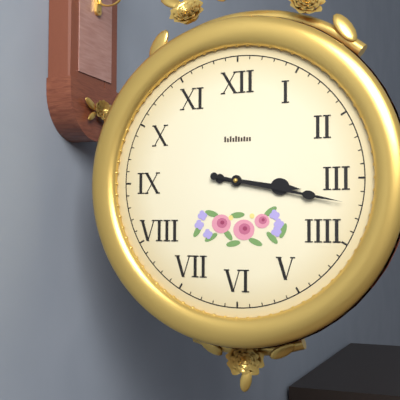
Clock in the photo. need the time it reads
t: 3:17
